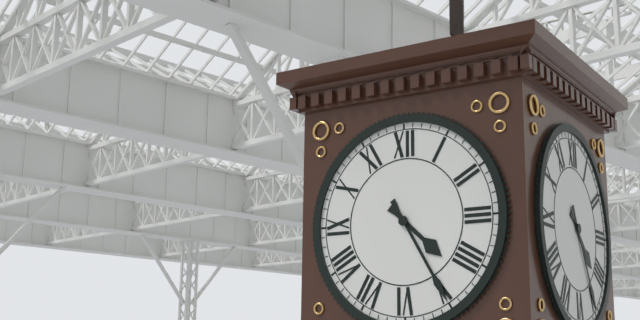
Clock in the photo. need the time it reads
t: 4:25
